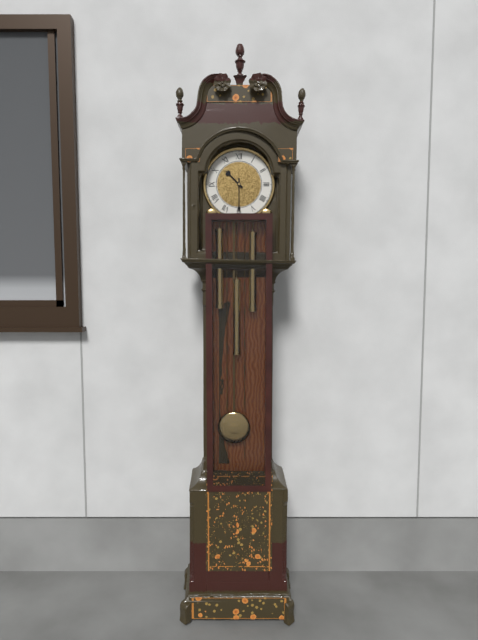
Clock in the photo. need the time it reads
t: 10:30
